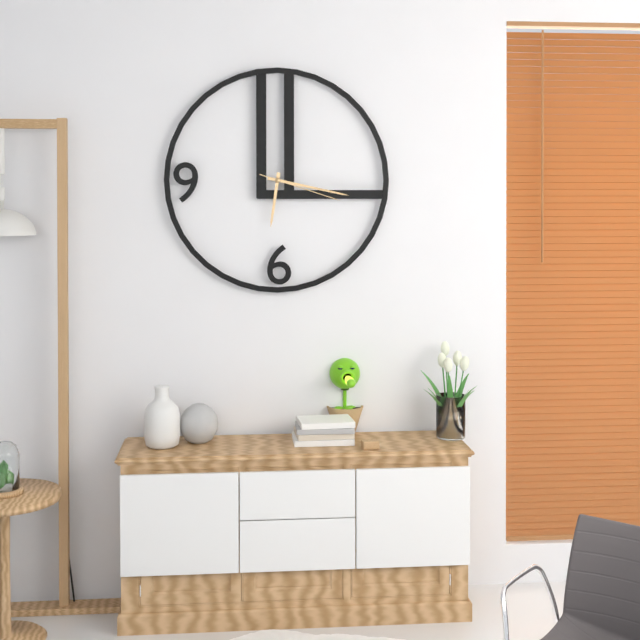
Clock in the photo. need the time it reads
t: 6:17:18
